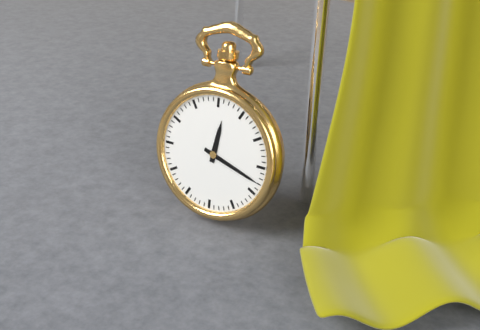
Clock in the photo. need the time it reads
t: 12:18
